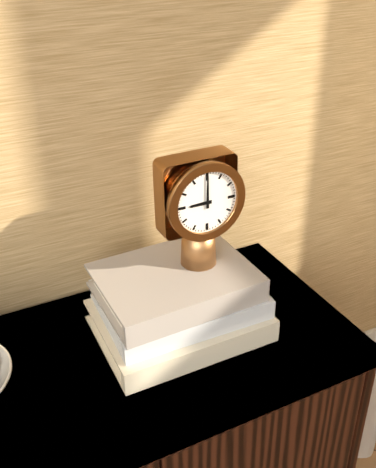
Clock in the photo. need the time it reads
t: 9:00
